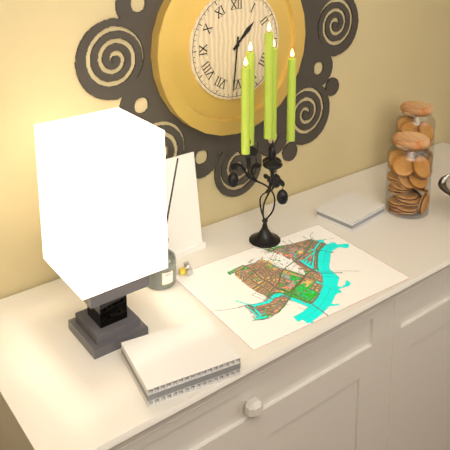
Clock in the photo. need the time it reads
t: 1:31
